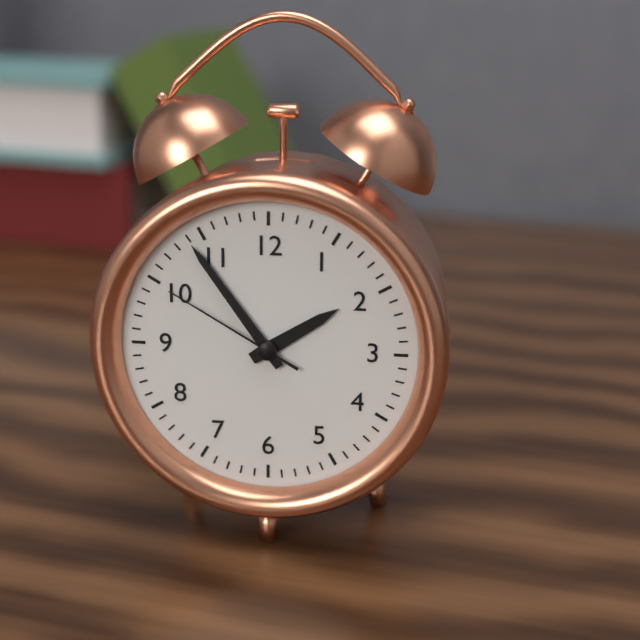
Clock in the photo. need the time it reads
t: 1:54:50
